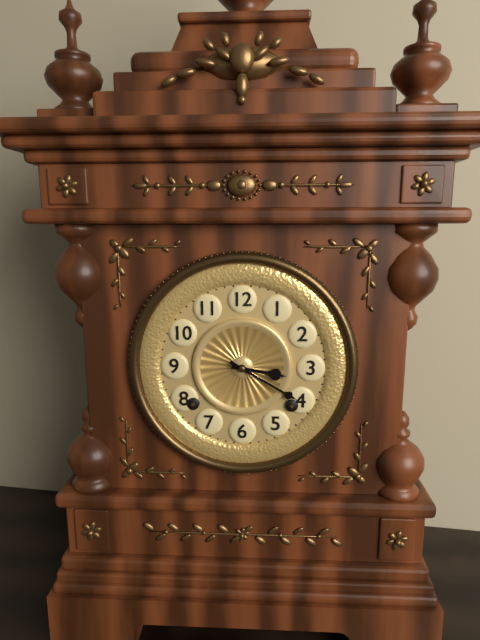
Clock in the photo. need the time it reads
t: 3:20
